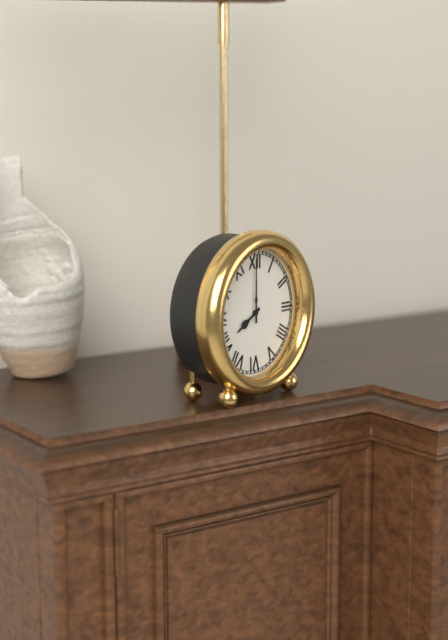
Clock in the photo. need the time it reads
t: 8:00
